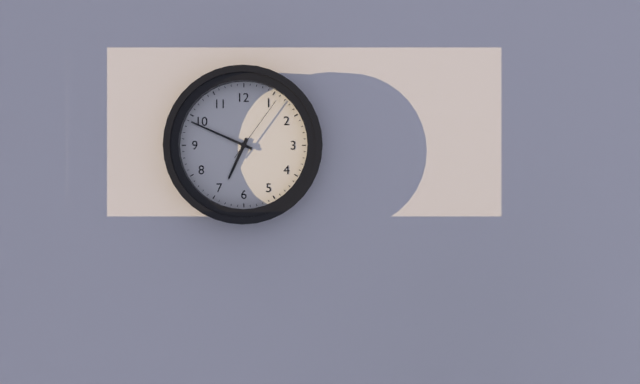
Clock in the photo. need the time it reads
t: 6:49:06
